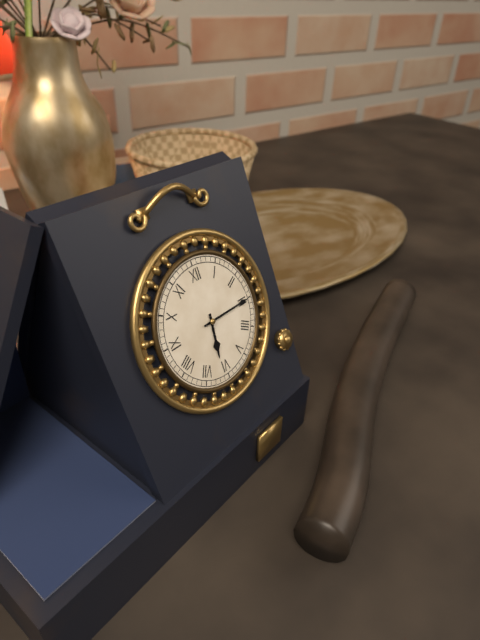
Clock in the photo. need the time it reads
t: 6:15
